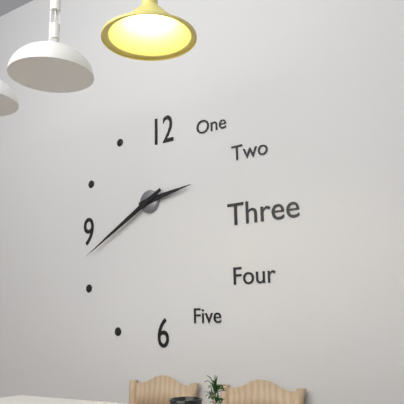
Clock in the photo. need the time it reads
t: 2:40
